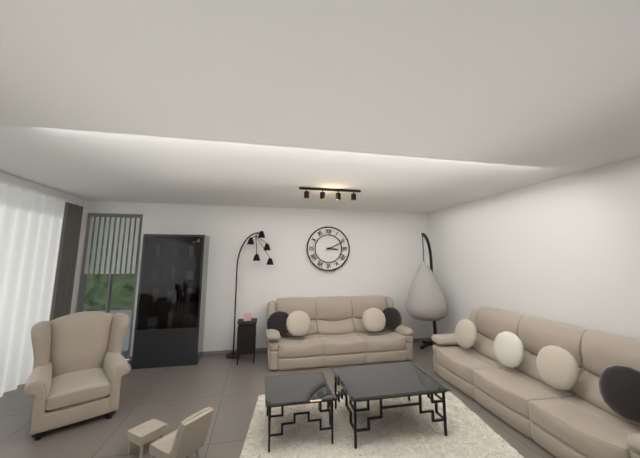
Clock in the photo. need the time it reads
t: 3:11
